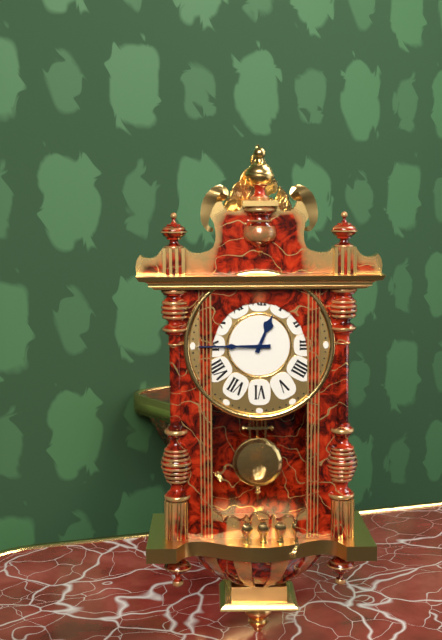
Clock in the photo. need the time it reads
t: 12:45
